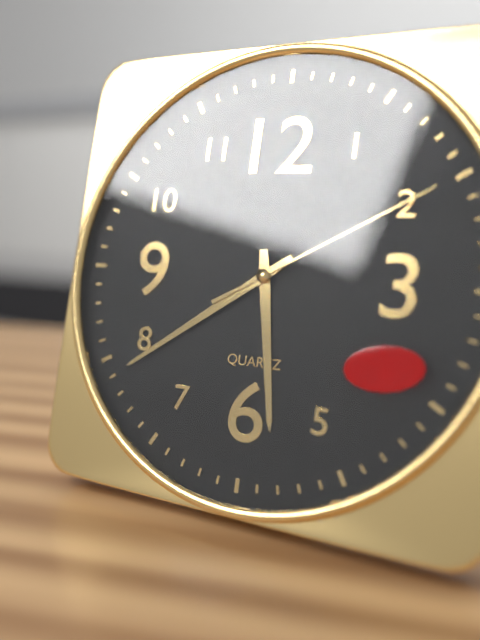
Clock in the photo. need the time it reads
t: 5:39:10
